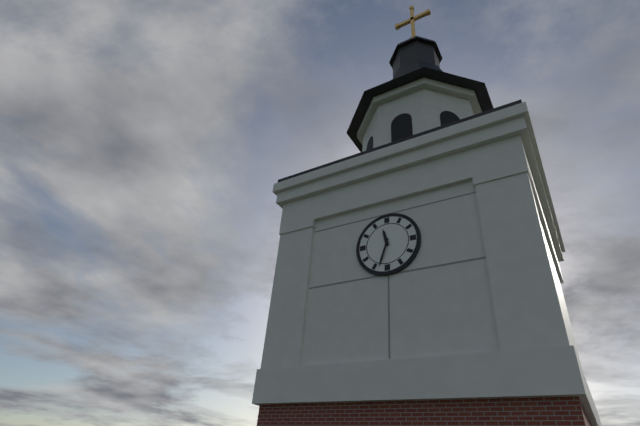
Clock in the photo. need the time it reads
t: 11:33
